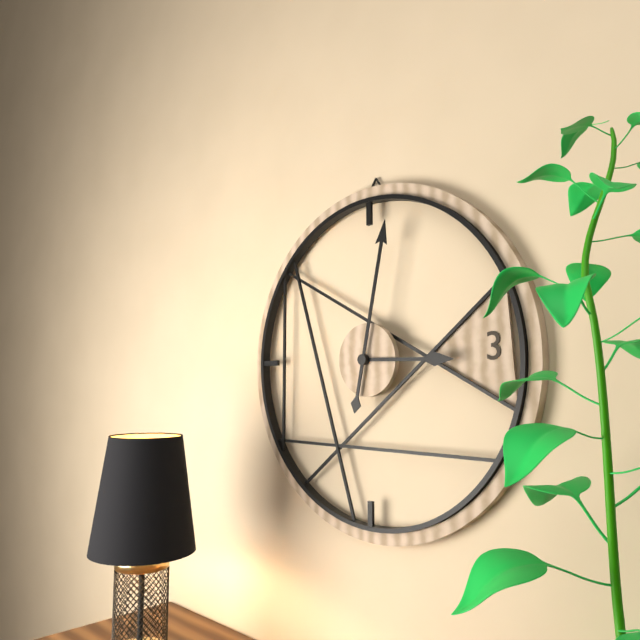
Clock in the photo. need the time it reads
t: 3:02
